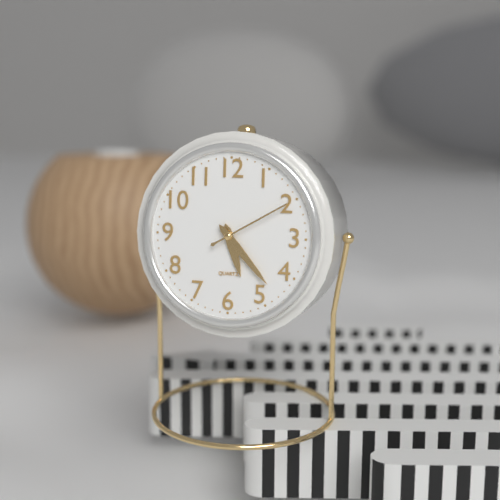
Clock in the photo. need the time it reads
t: 5:23:10
